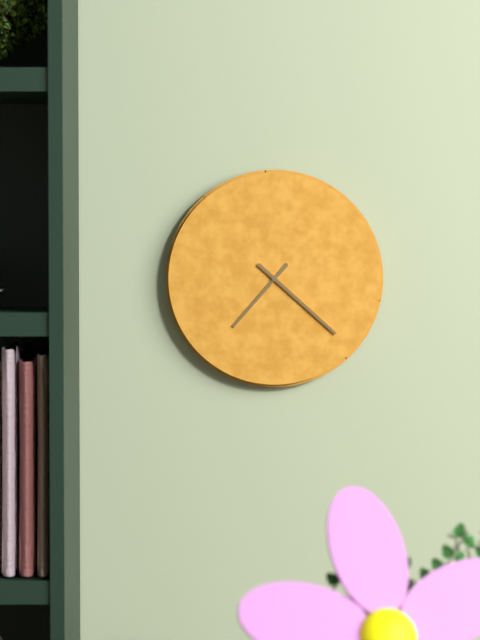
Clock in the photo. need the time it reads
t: 7:22
